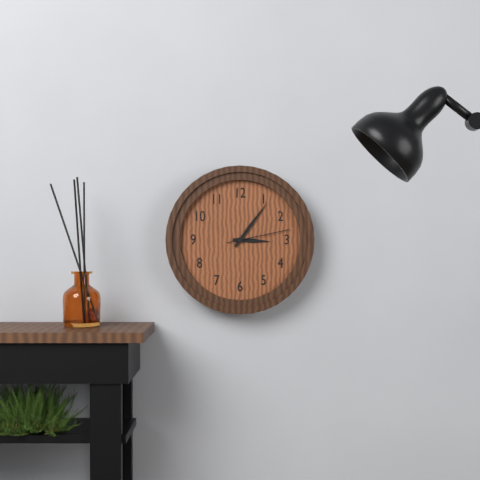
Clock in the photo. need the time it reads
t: 3:06:13
